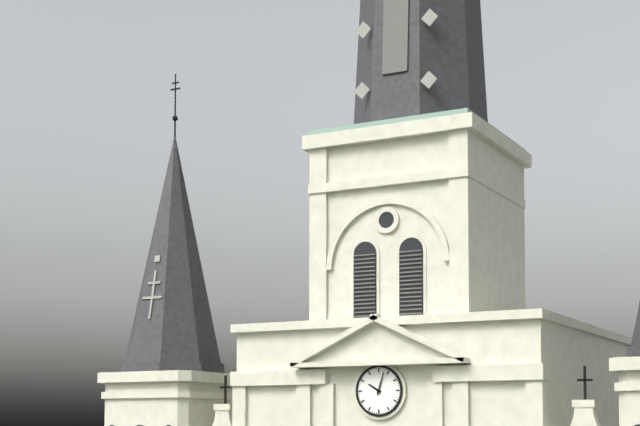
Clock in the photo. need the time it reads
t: 10:03
